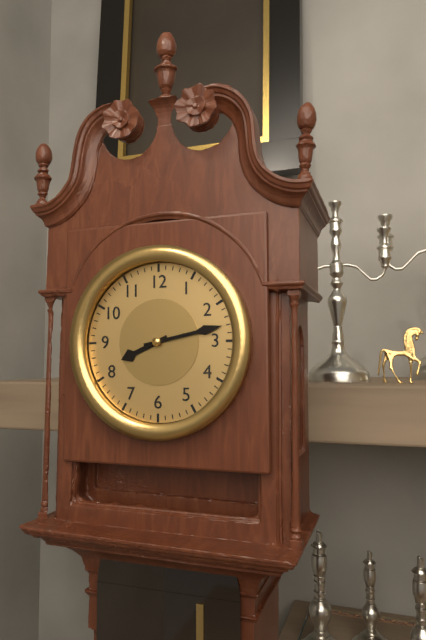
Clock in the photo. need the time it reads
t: 8:13
